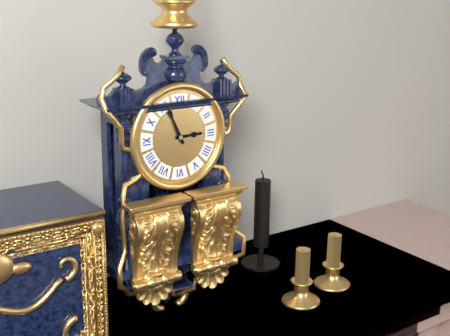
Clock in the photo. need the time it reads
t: 2:56
